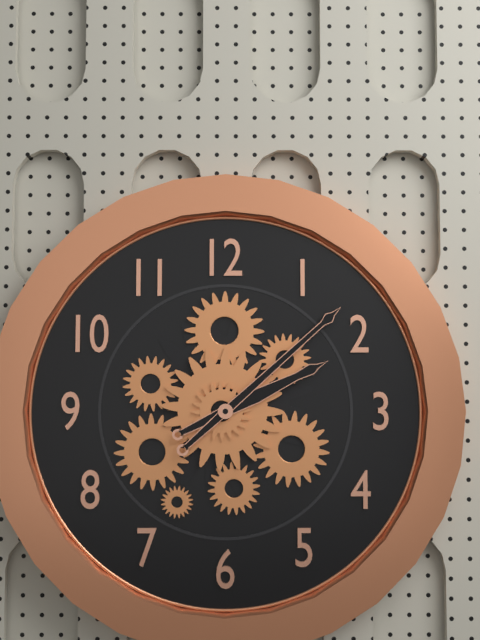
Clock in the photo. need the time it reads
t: 2:08
